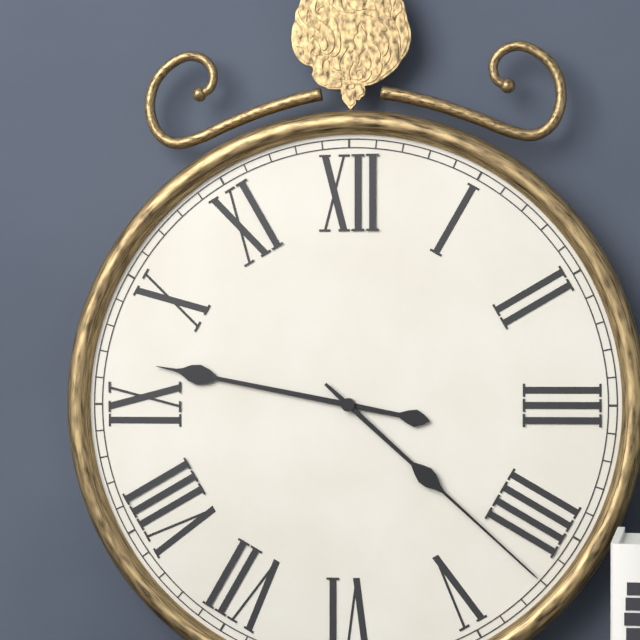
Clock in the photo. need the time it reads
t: 9:22
